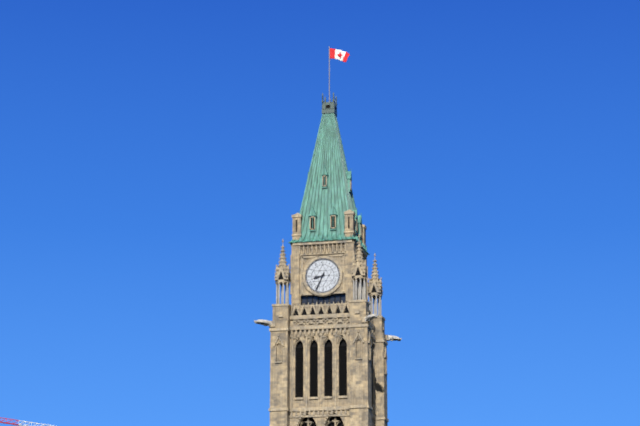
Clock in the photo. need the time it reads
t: 8:34
